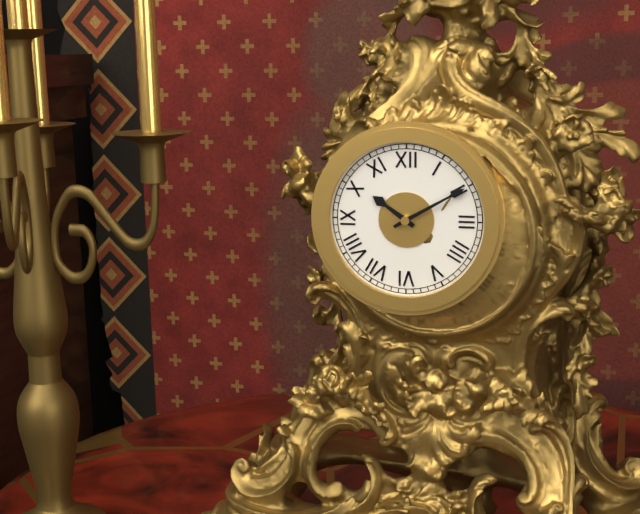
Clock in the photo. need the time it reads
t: 10:10
